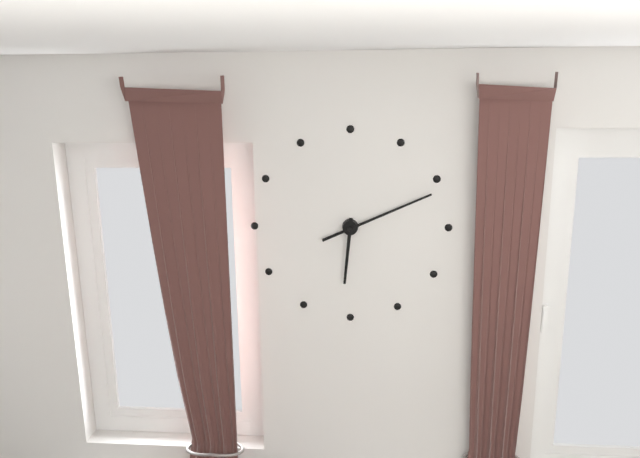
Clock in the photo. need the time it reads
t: 6:11
